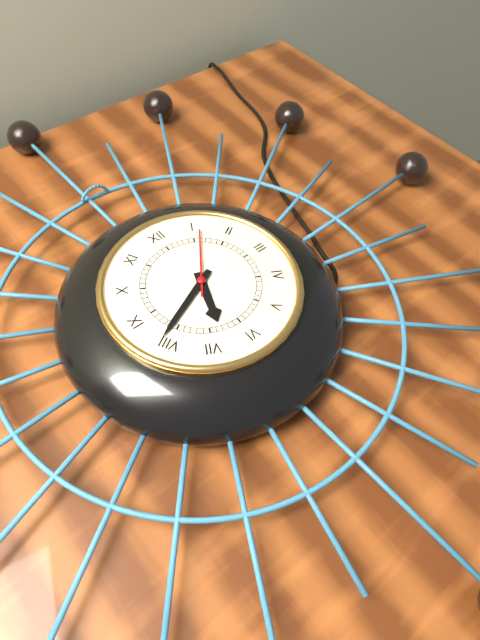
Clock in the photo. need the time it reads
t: 6:41:06
